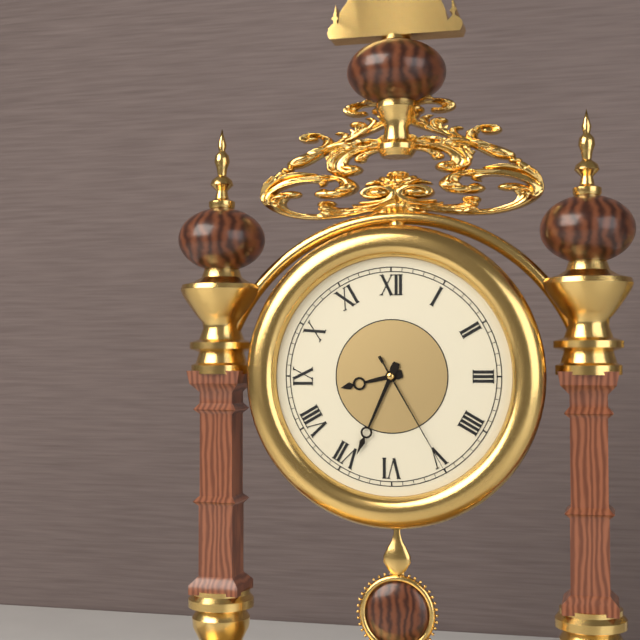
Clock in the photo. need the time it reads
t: 8:34:25
